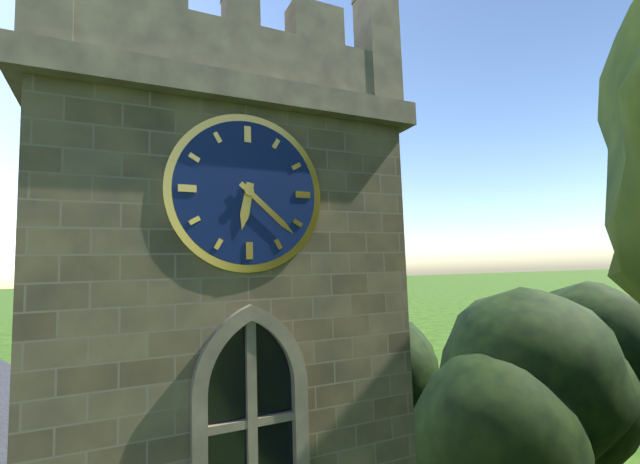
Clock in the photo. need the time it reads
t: 6:22
